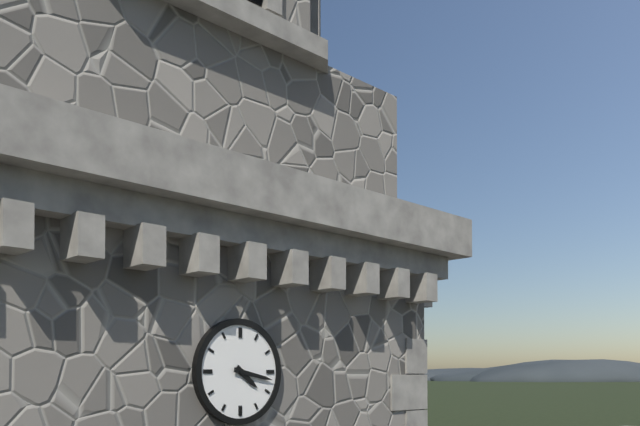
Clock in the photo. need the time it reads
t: 4:17
